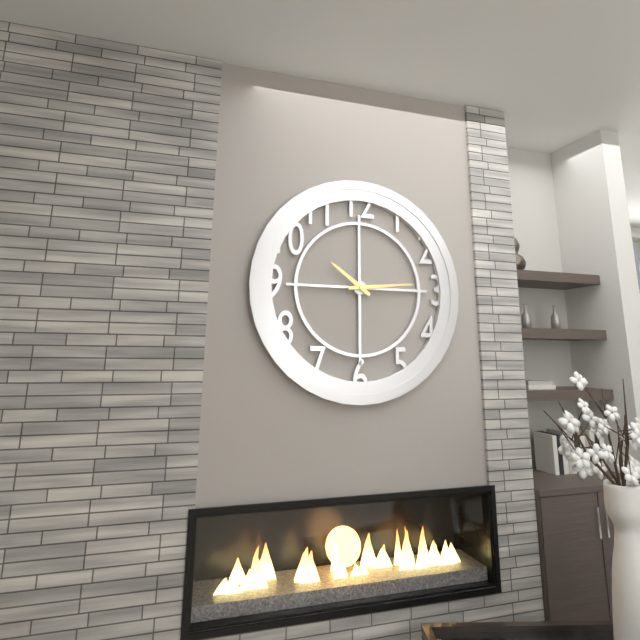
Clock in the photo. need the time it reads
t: 10:14
